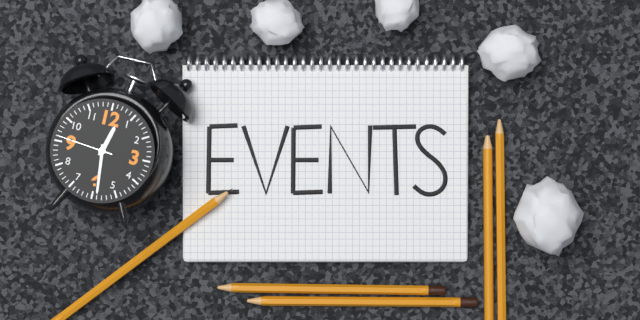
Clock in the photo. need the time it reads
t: 12:29:46
